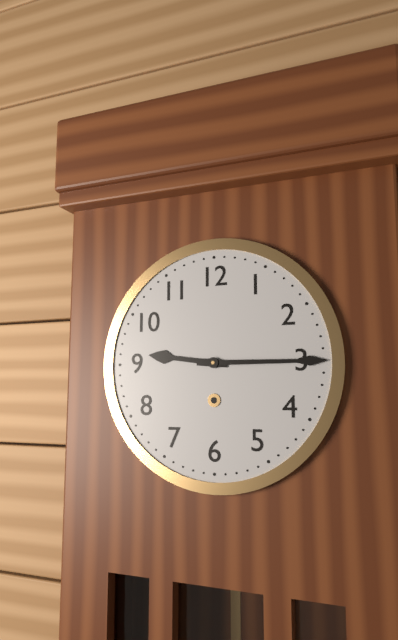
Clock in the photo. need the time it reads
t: 9:15
